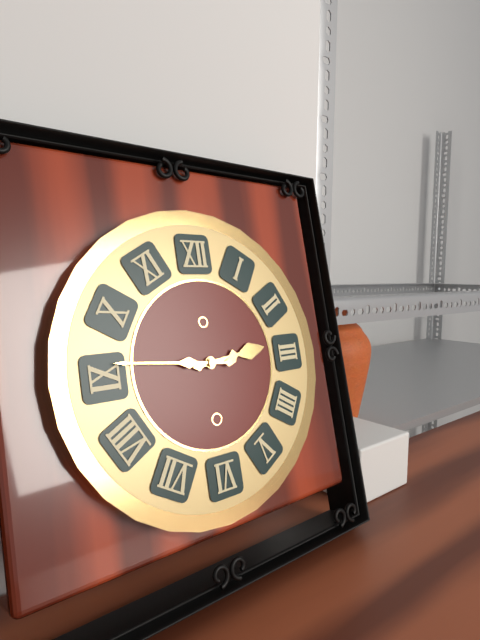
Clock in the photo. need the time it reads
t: 2:46
